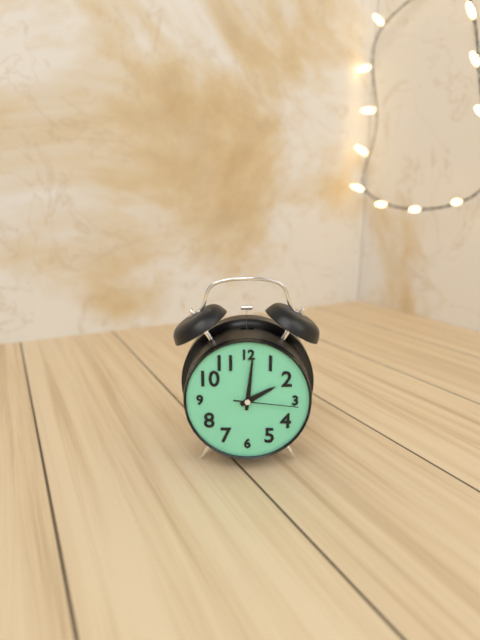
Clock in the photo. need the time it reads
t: 2:01:16
